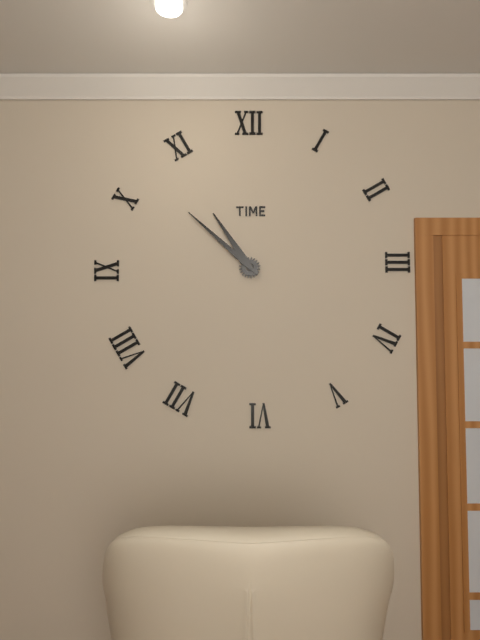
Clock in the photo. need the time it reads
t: 10:52
